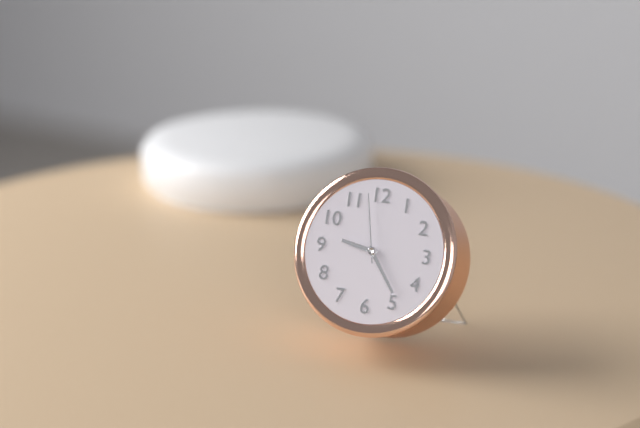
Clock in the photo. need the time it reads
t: 9:24:58
